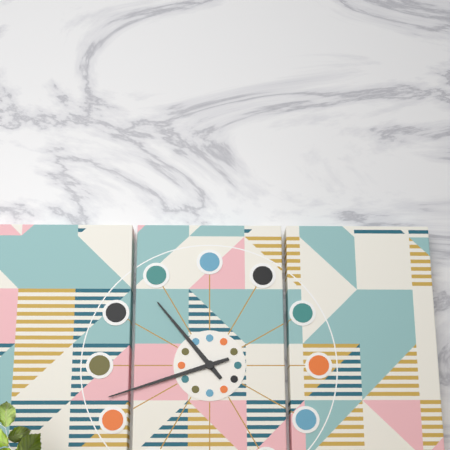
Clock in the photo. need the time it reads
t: 10:42
